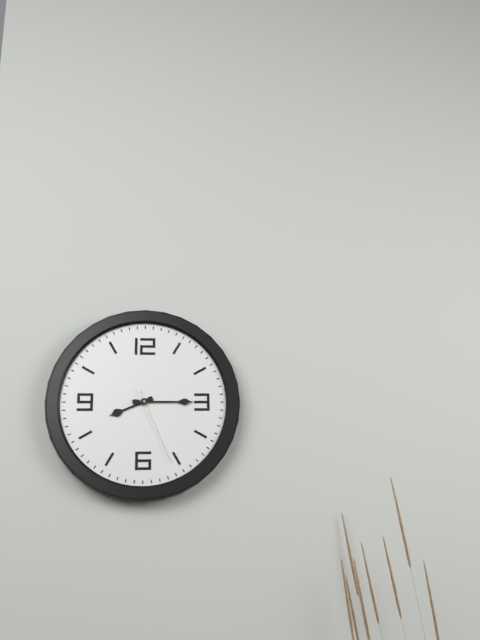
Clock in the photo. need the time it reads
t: 8:15:26
